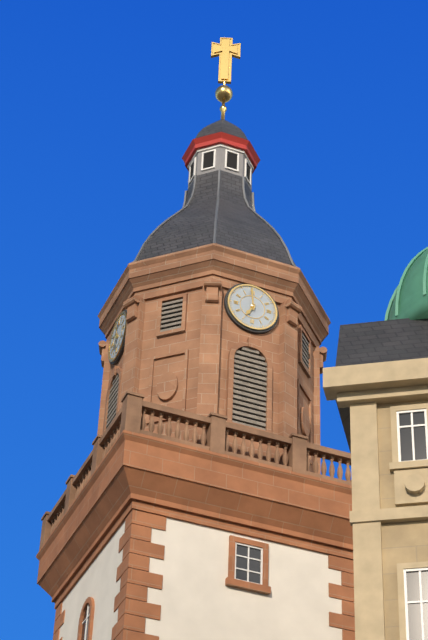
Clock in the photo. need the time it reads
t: 6:59
